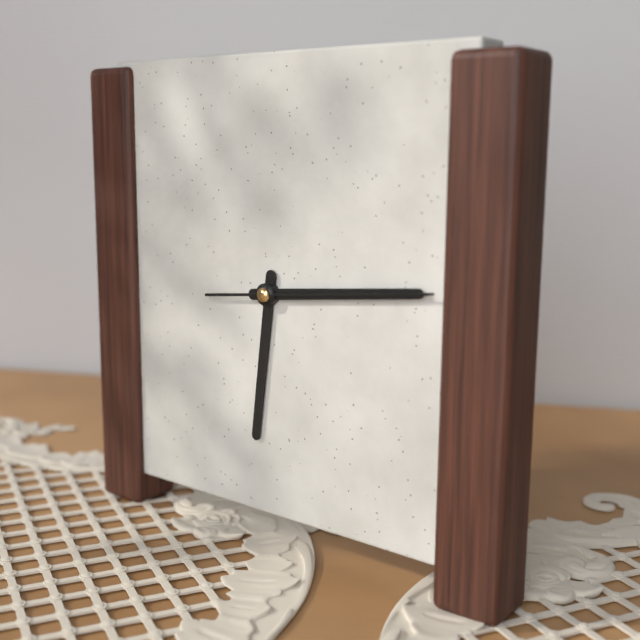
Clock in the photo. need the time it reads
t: 6:14:14
